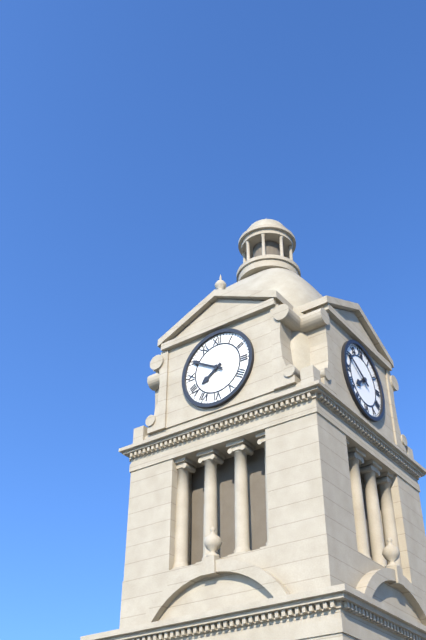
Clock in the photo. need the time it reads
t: 7:50
